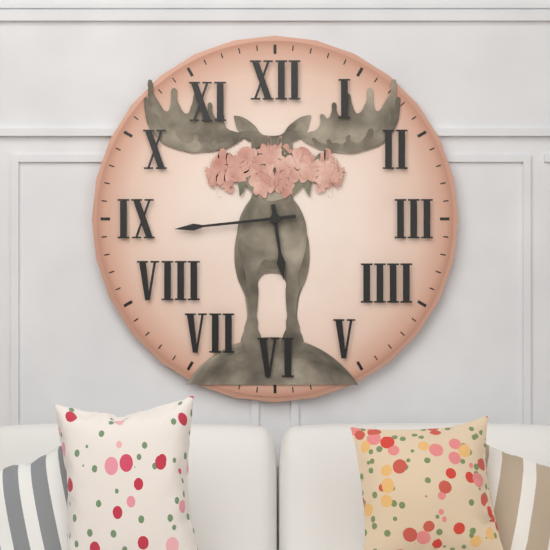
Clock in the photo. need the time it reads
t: 5:44
